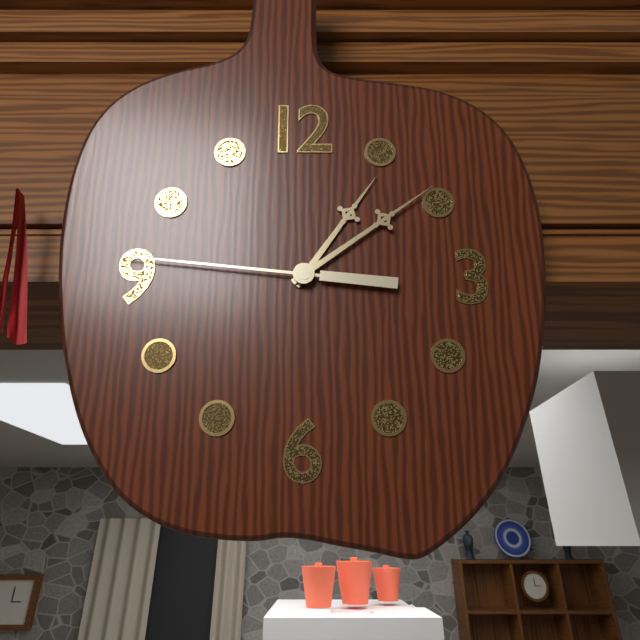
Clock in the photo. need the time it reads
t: 1:09:46
